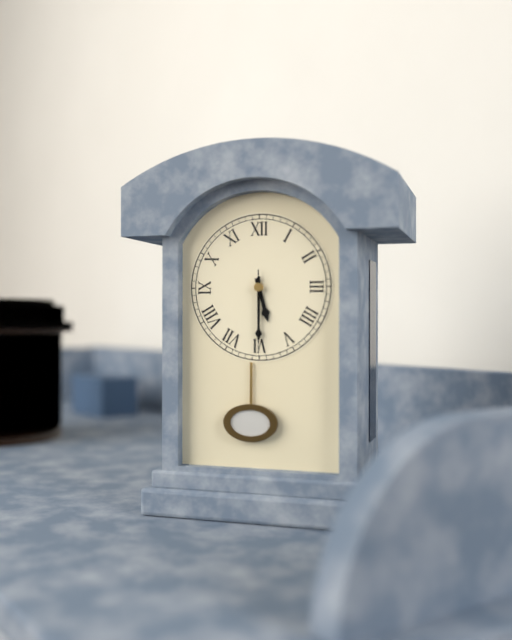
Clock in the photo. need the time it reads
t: 5:30:30
